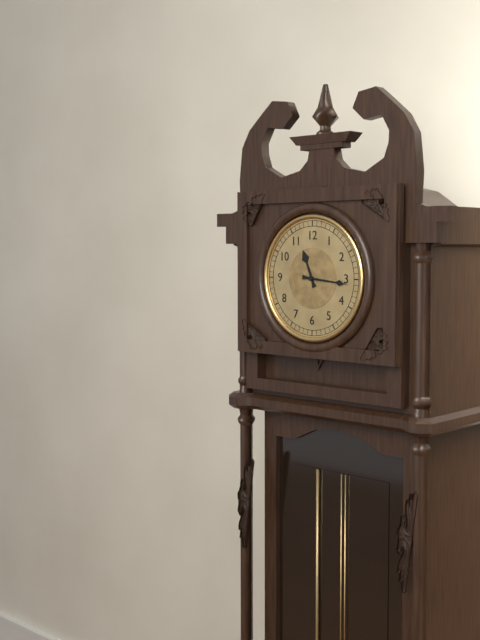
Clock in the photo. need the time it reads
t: 11:16
